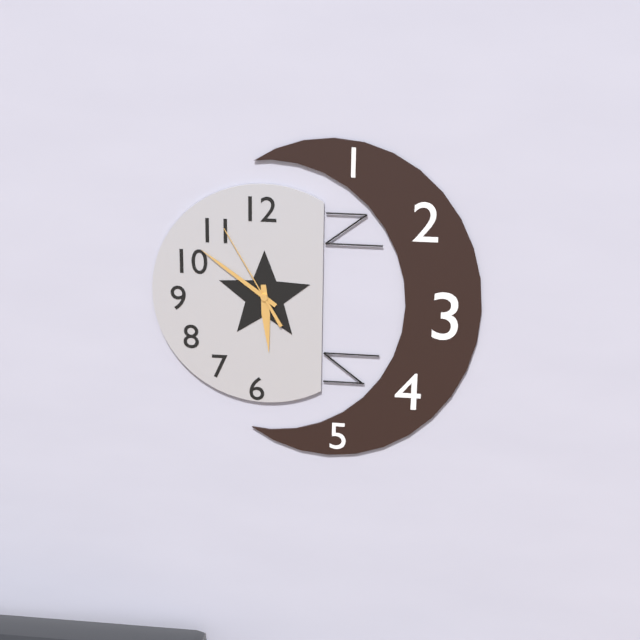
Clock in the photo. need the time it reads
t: 5:51:55
